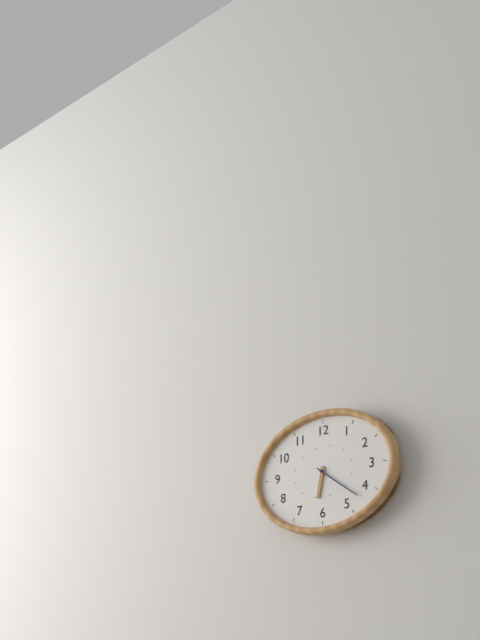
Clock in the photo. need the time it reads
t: 6:21
